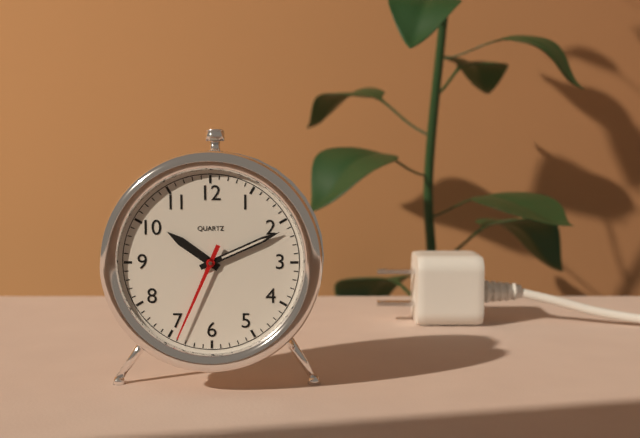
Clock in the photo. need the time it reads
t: 10:11:34
